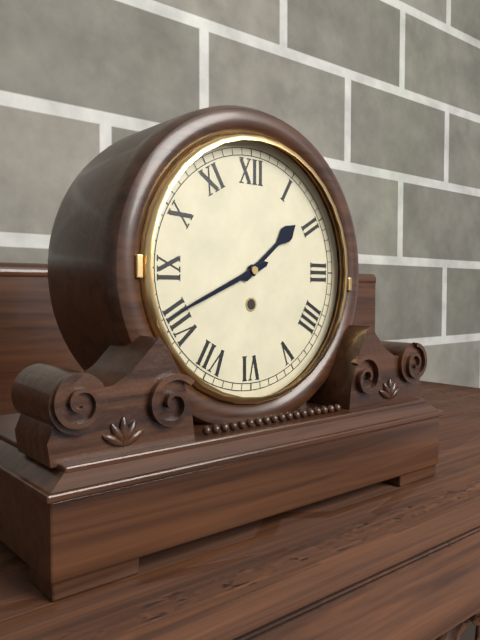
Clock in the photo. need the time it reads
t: 1:41
